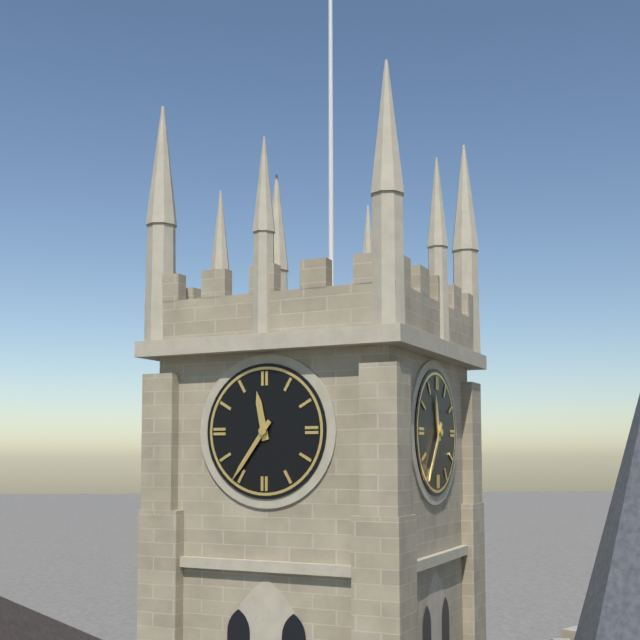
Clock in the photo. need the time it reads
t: 11:36
